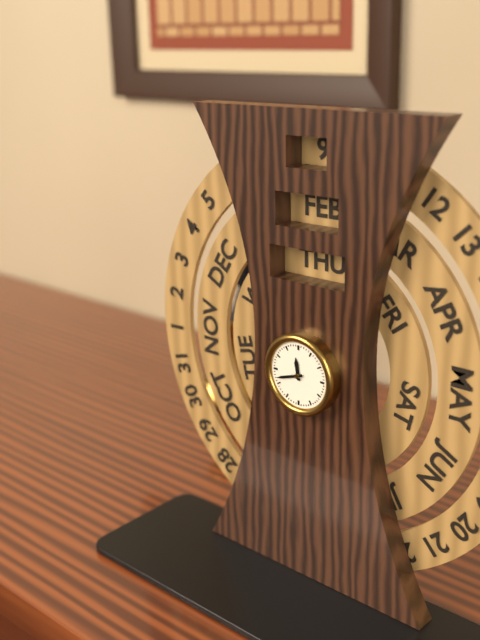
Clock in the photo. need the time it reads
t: 11:42
